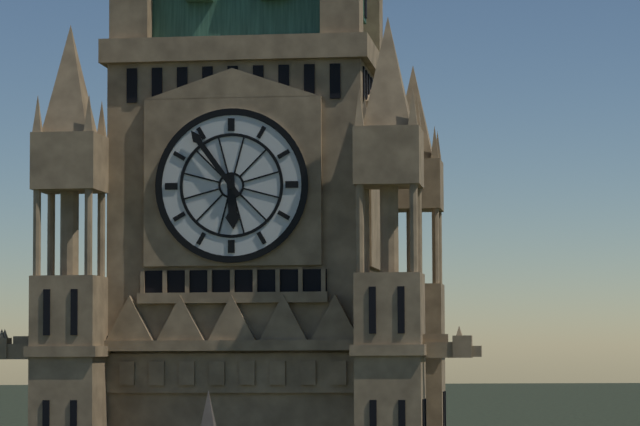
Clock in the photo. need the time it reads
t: 5:54
